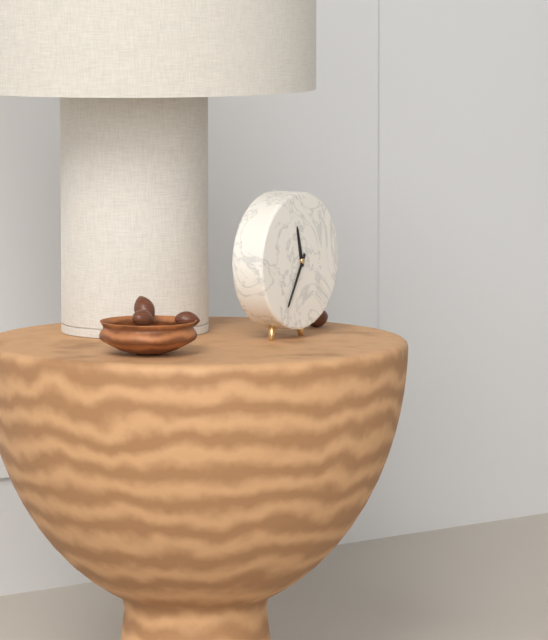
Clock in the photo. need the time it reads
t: 11:35
